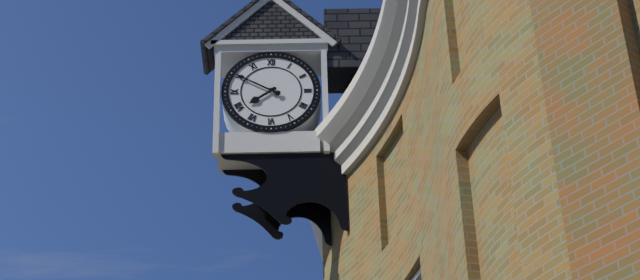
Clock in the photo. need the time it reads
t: 7:50
